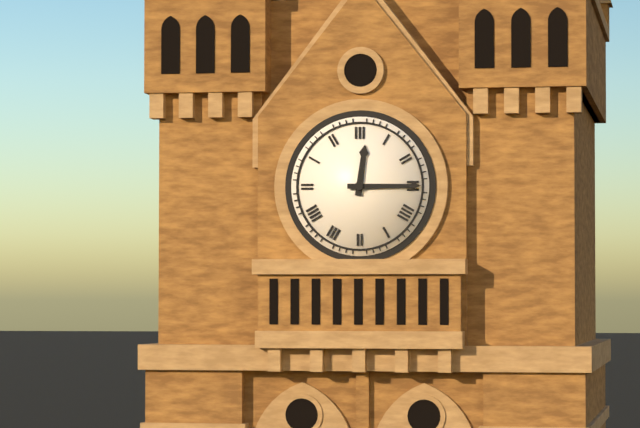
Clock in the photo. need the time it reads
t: 12:15
